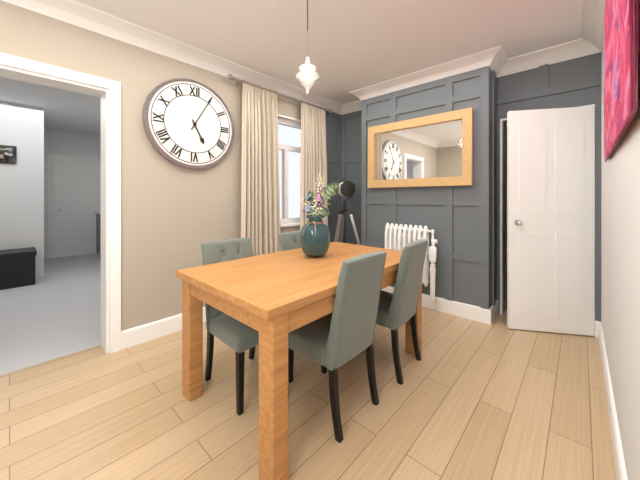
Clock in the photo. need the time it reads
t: 5:05
